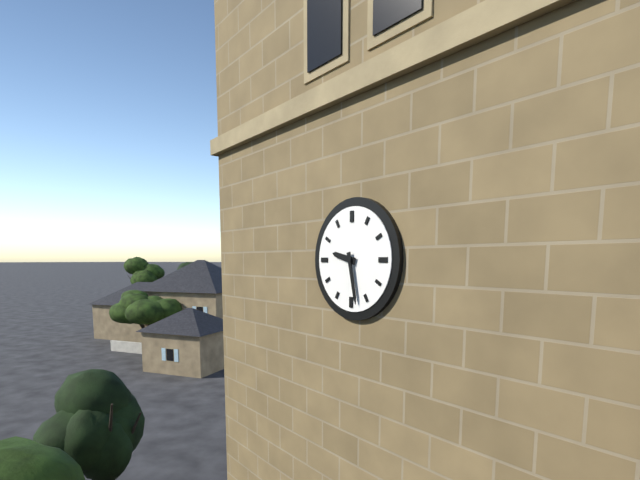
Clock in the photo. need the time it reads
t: 9:28
